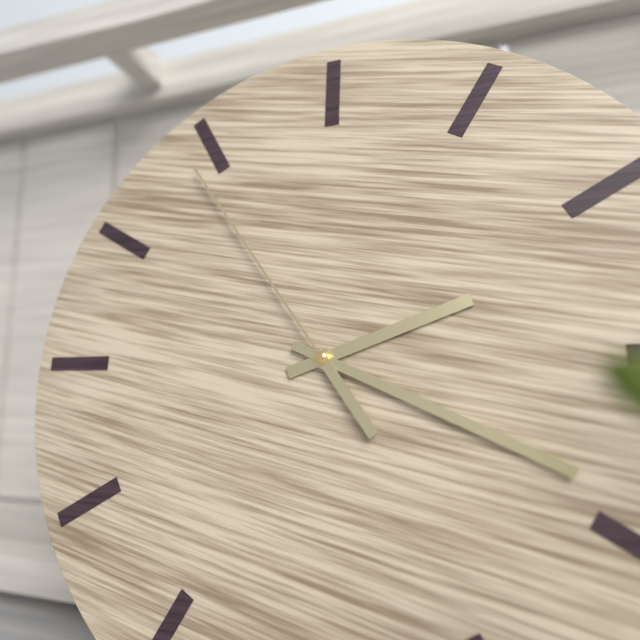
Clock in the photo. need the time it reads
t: 2:19:54
